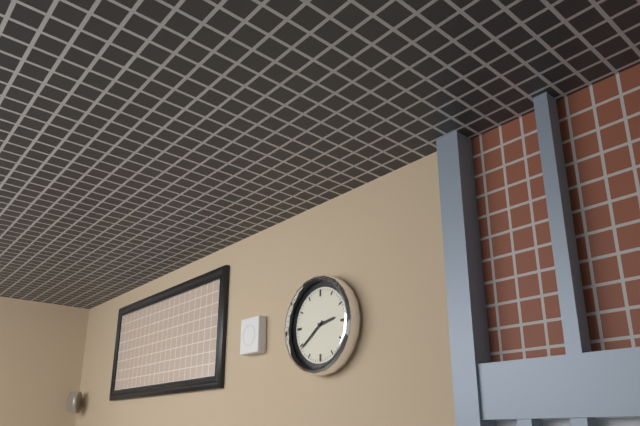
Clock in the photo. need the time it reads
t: 2:39
